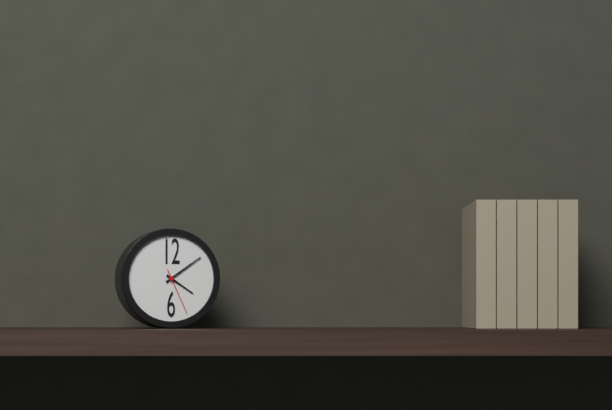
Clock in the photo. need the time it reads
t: 4:09
